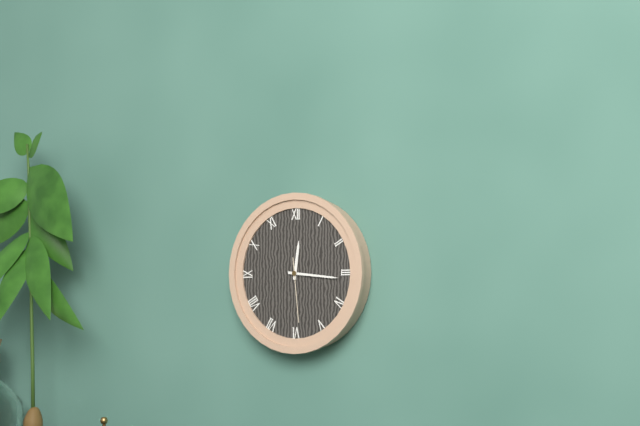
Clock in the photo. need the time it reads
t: 12:16:29
